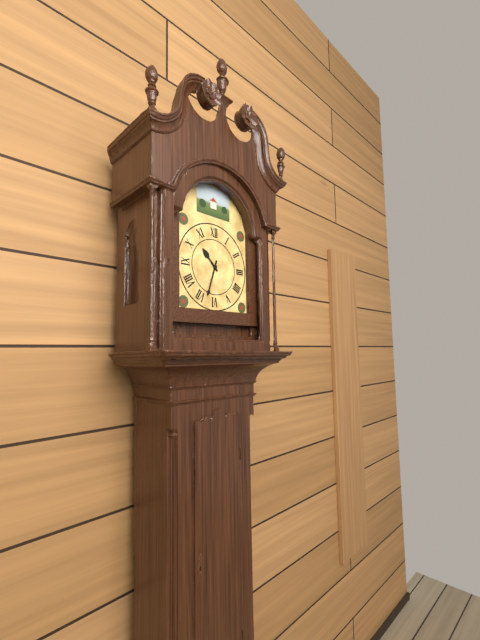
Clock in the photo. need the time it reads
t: 10:33
